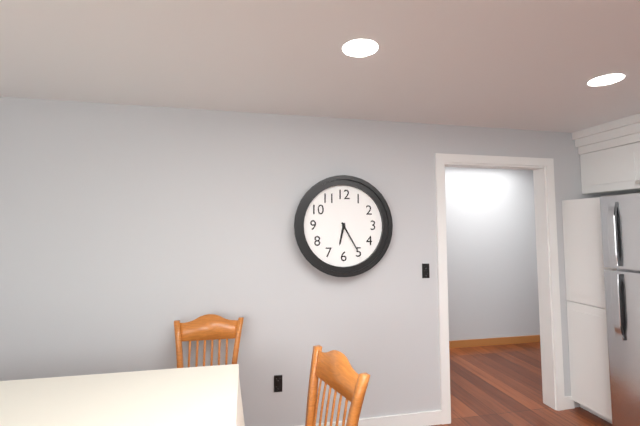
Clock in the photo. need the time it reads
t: 6:25
